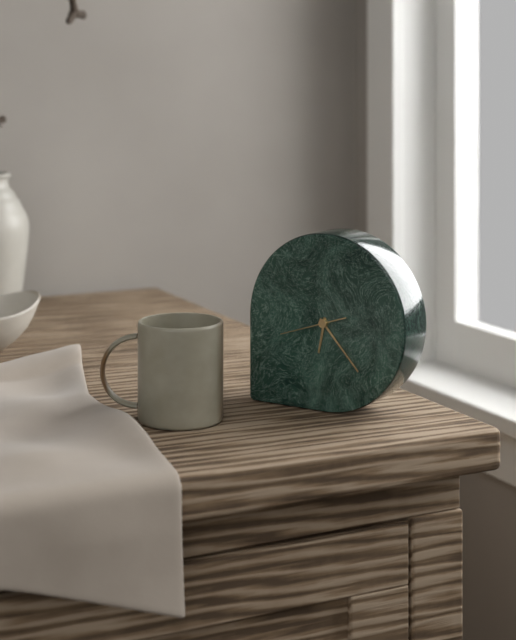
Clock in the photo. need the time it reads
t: 6:23:42
